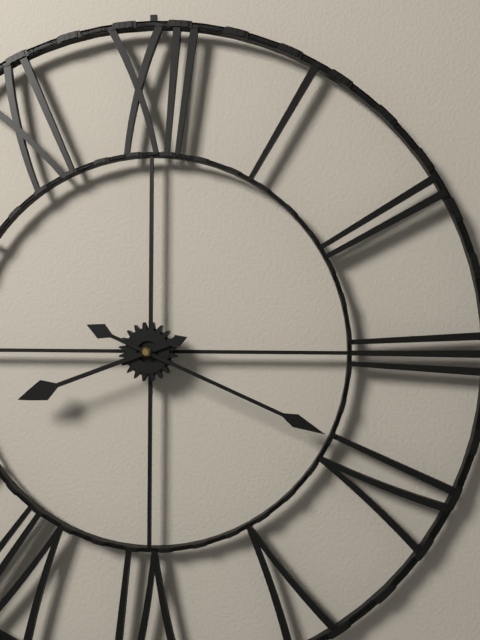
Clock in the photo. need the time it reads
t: 8:19
